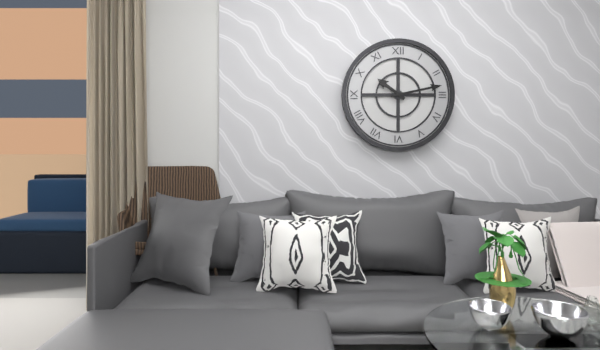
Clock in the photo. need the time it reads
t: 10:13
